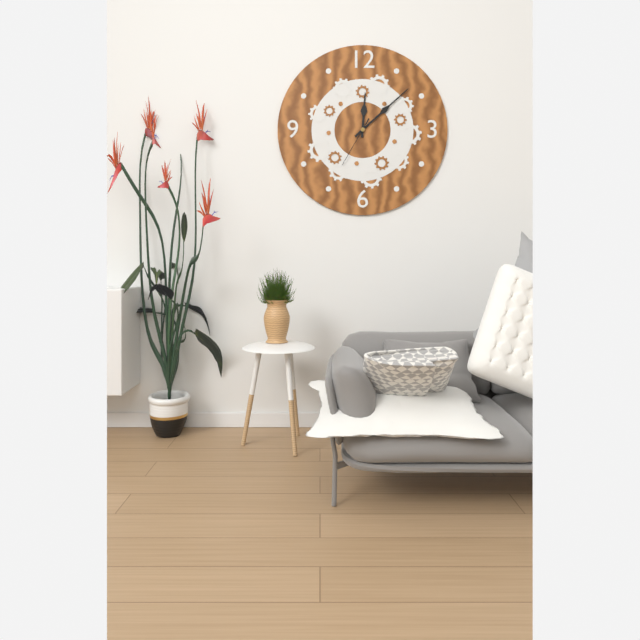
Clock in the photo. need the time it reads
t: 12:08:35
